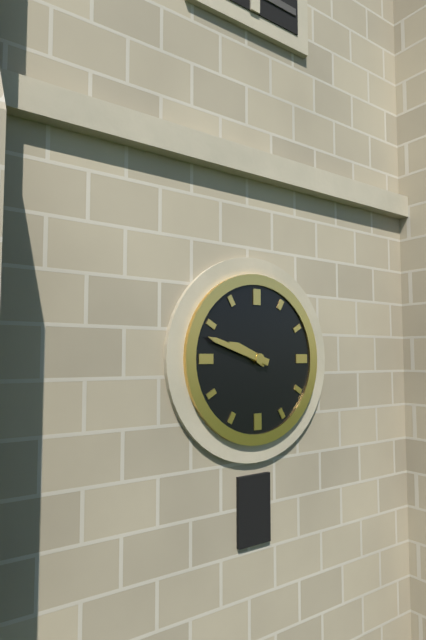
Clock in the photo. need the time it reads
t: 9:48
